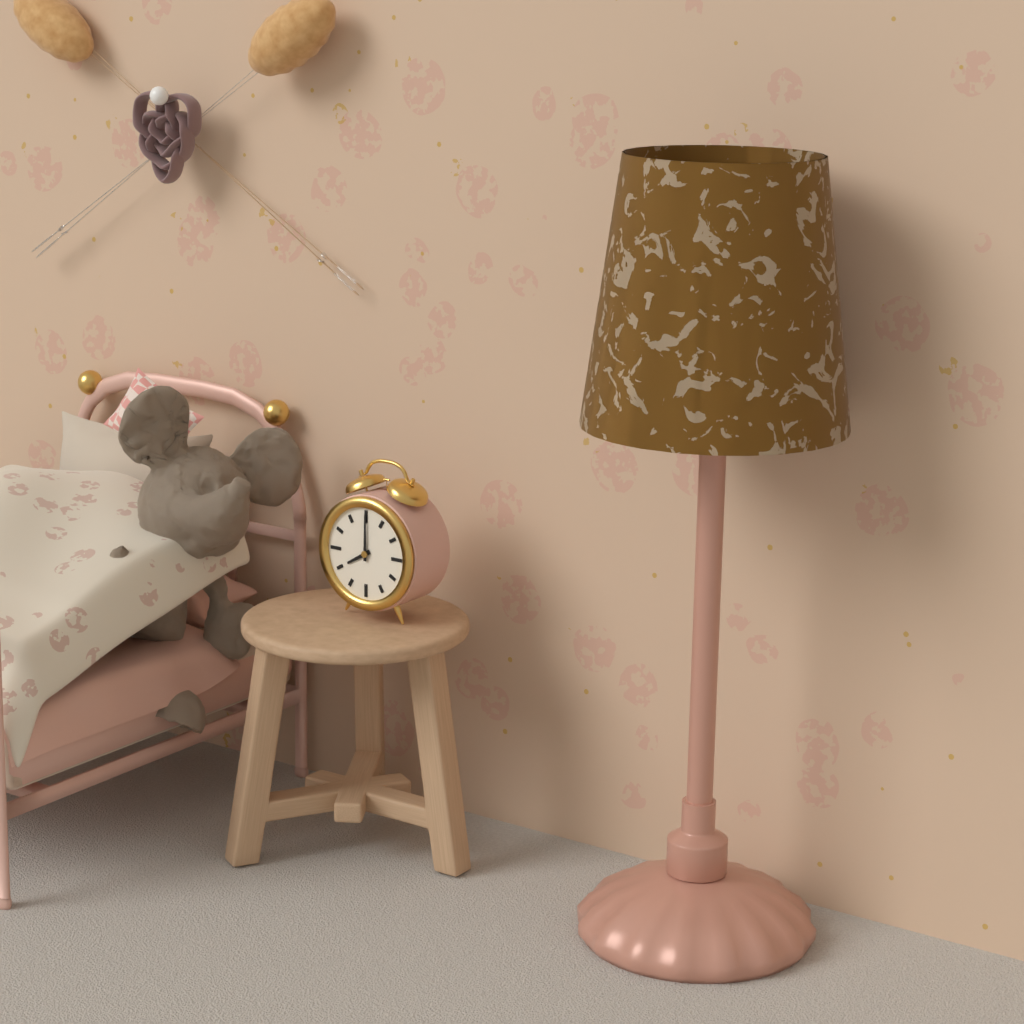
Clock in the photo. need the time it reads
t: 8:00
